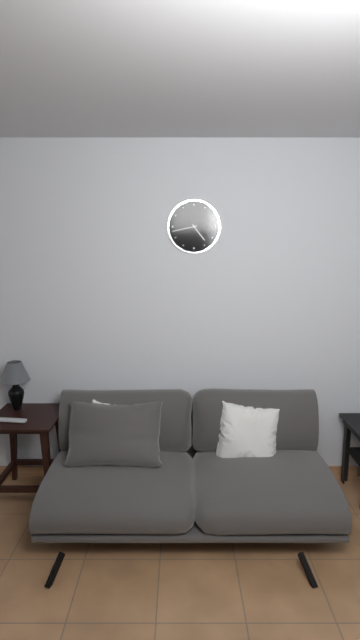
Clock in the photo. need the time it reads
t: 4:43
